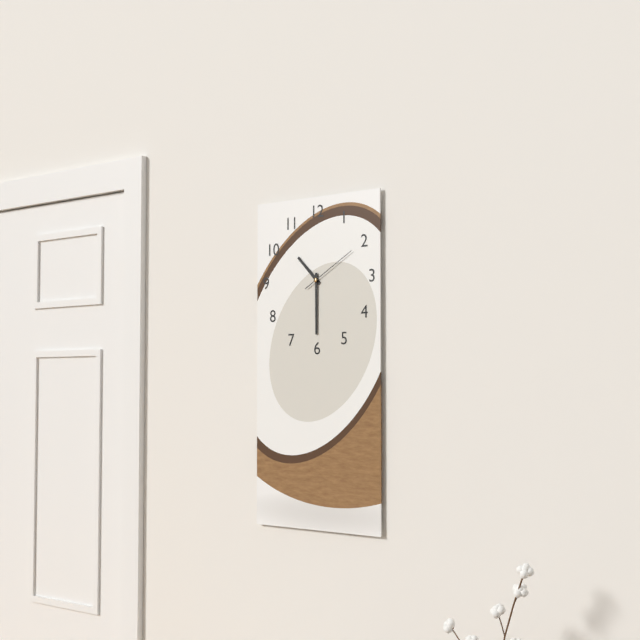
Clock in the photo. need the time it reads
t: 10:30:10
